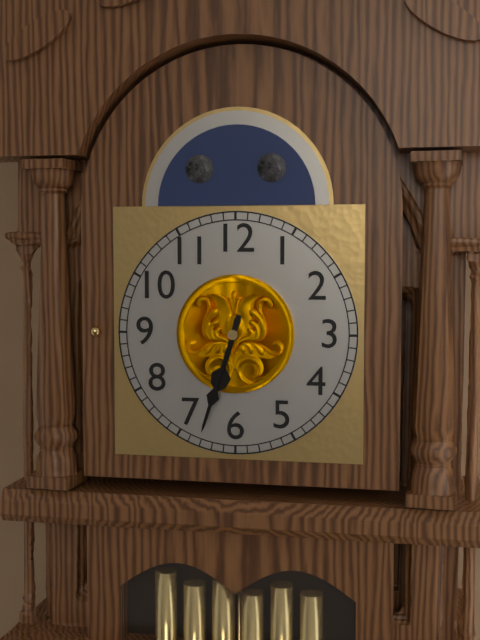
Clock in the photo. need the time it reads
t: 6:33
